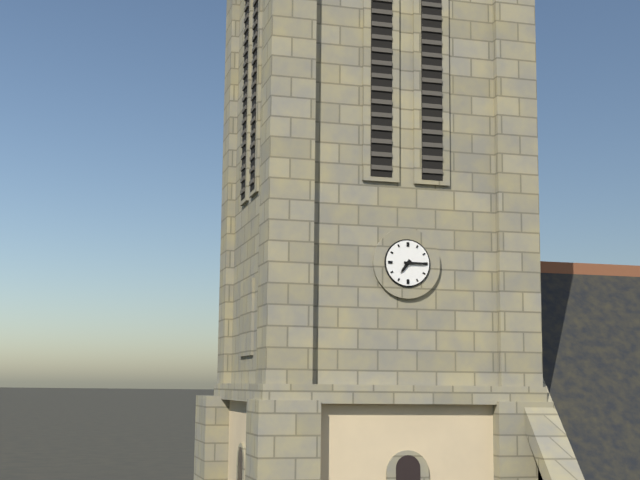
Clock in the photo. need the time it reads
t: 7:15
